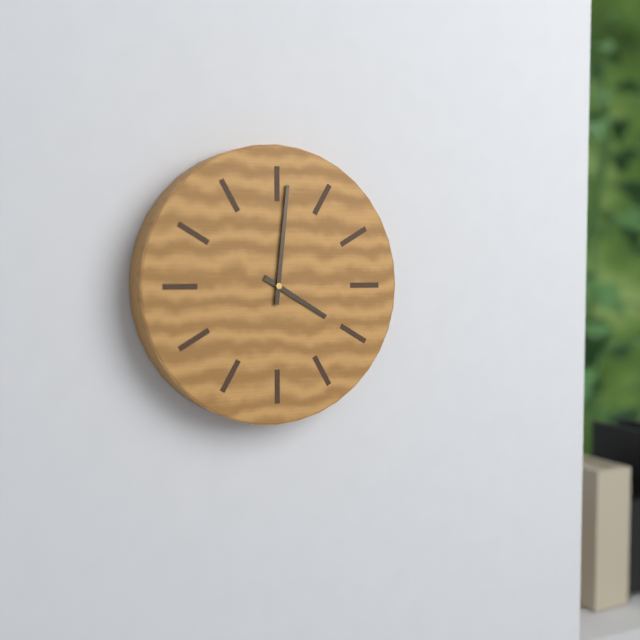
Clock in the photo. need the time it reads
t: 4:01
